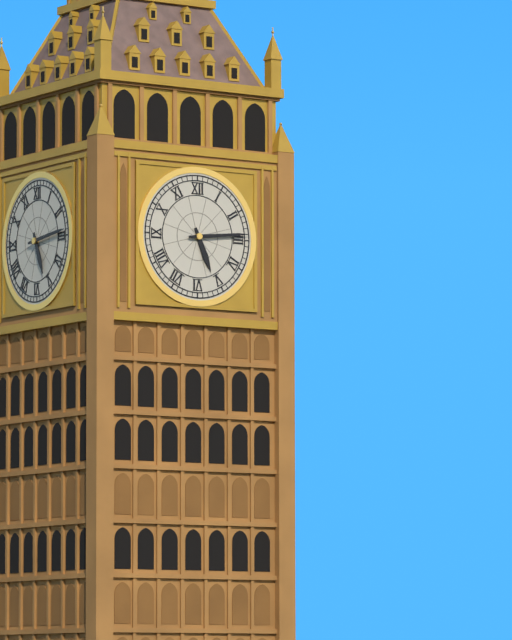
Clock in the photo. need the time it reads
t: 5:14
